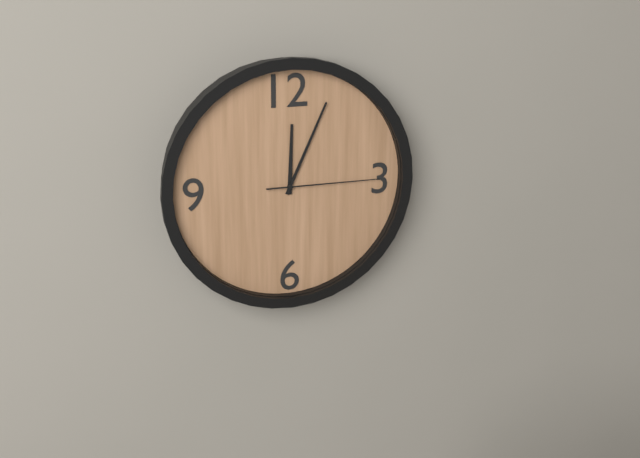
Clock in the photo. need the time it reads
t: 12:04:15
